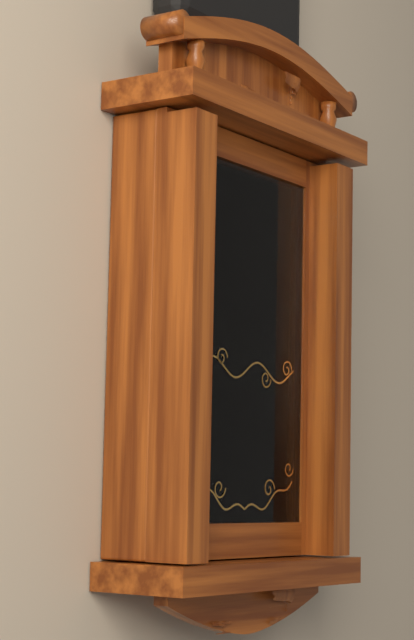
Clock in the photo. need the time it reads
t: 6:59:05
